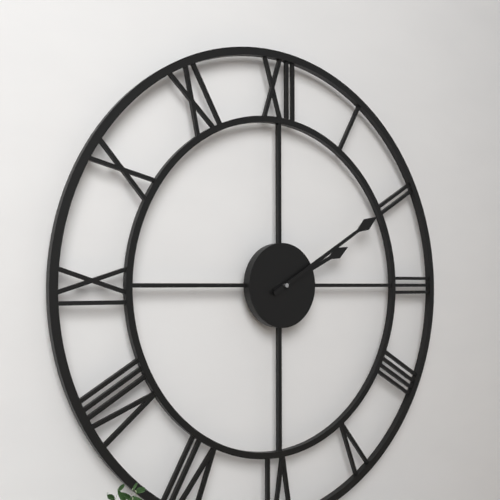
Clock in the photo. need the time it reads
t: 2:10
